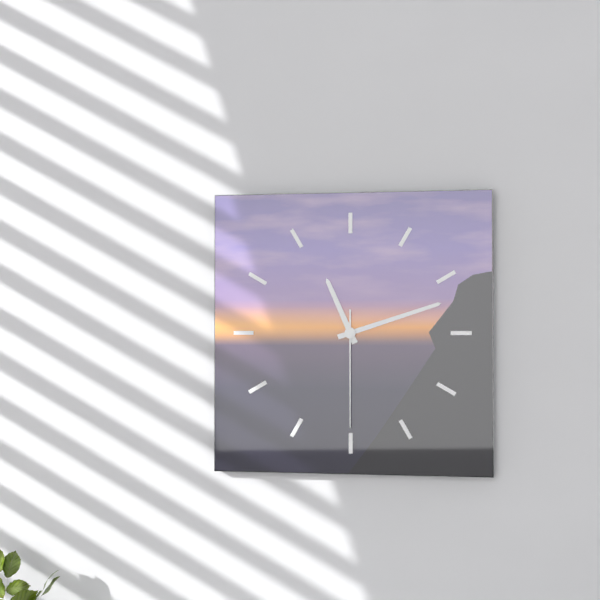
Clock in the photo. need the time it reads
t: 11:12:30
